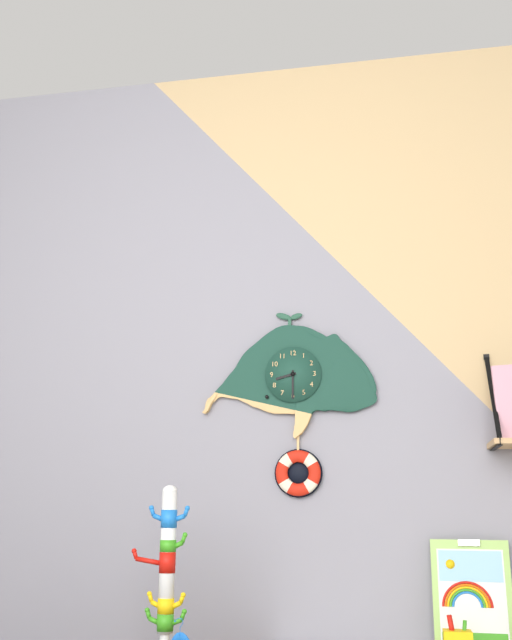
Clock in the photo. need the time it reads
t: 8:30
